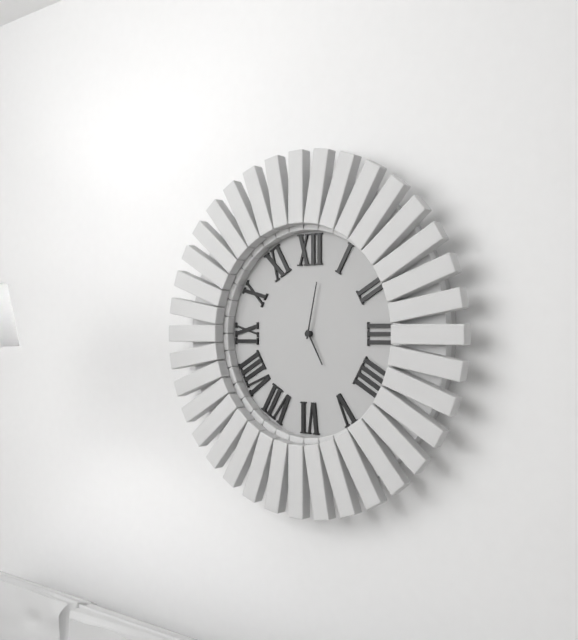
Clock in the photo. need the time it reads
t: 5:02
